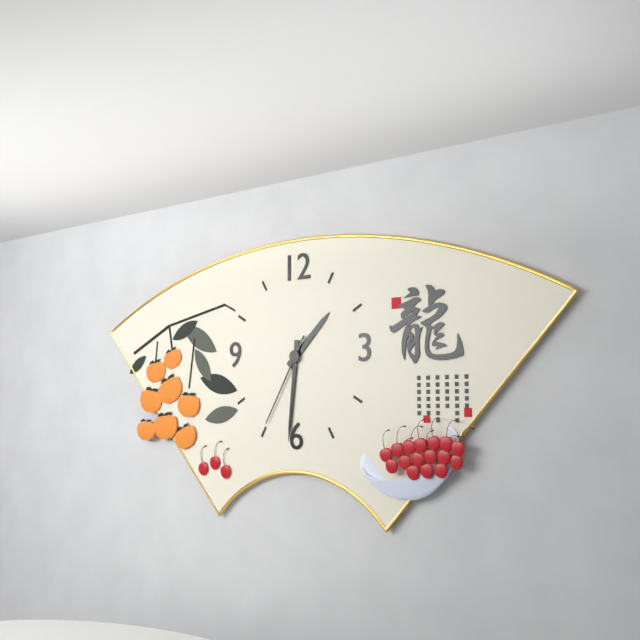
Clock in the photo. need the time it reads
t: 1:31:35
